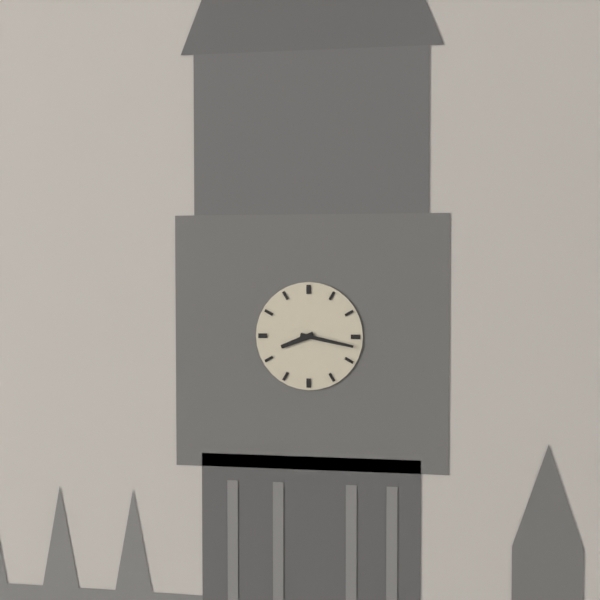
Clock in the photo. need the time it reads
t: 8:17
